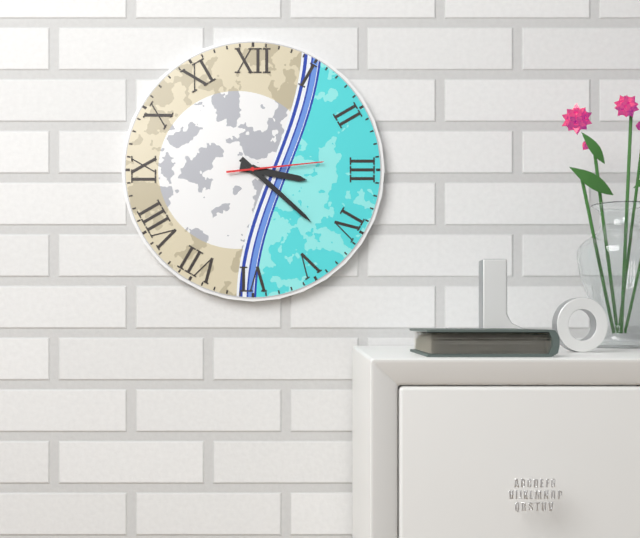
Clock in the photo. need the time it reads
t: 3:22:14
